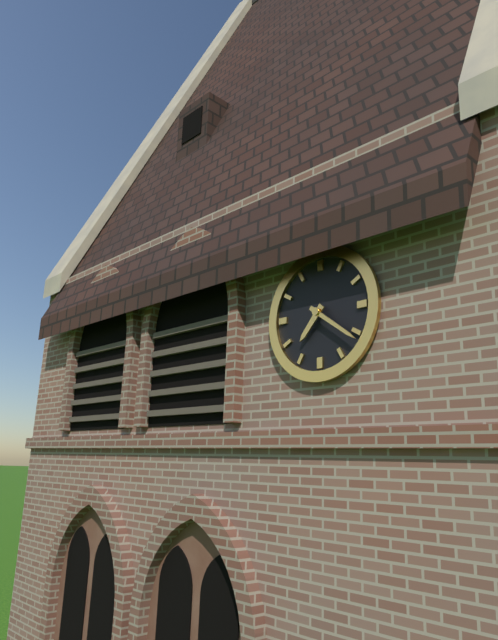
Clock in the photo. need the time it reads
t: 7:21
